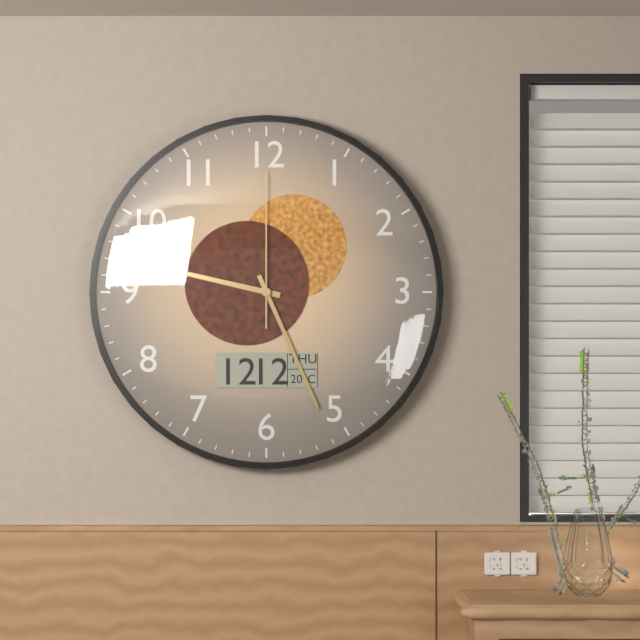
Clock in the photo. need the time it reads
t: 9:26:00
